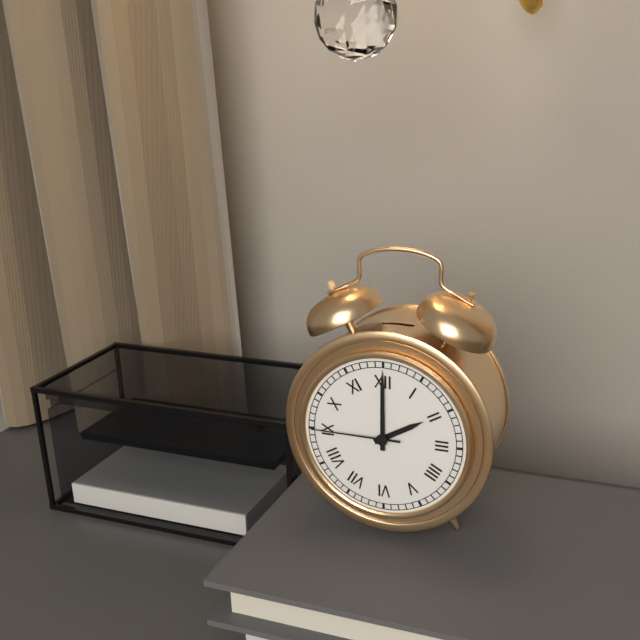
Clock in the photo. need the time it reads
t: 2:00:45
